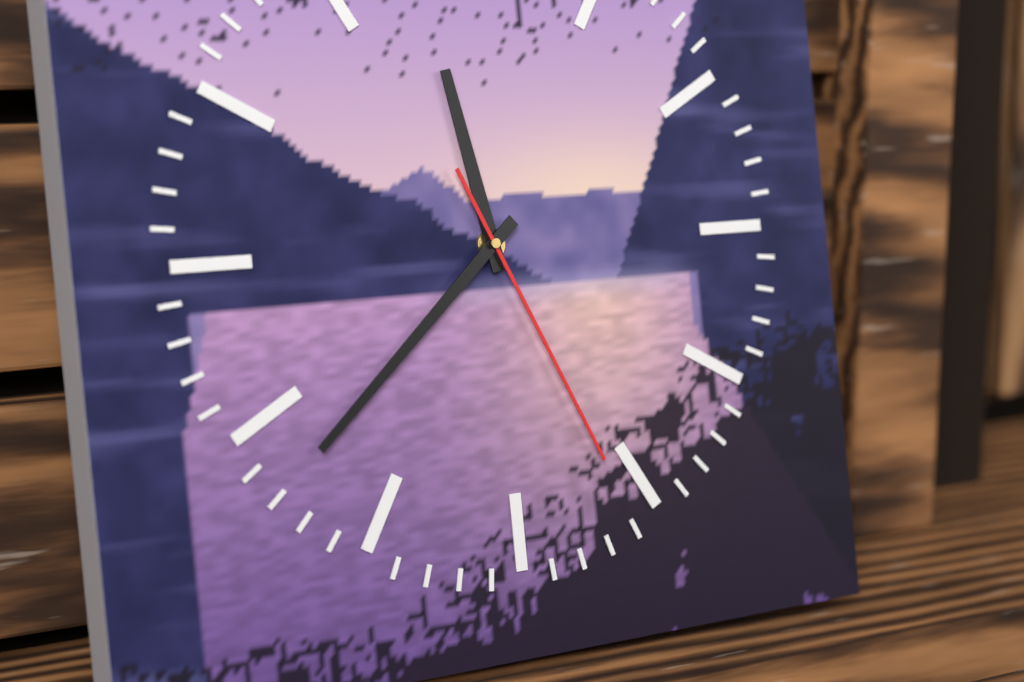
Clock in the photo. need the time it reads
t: 11:38:26
